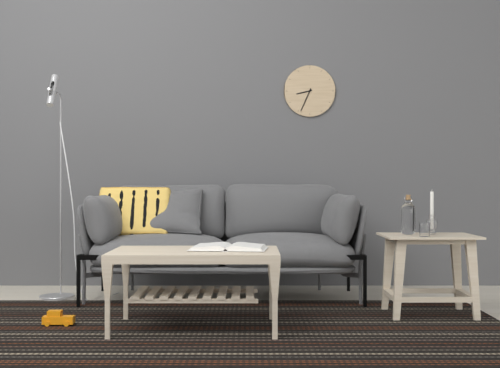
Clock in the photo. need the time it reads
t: 8:34
